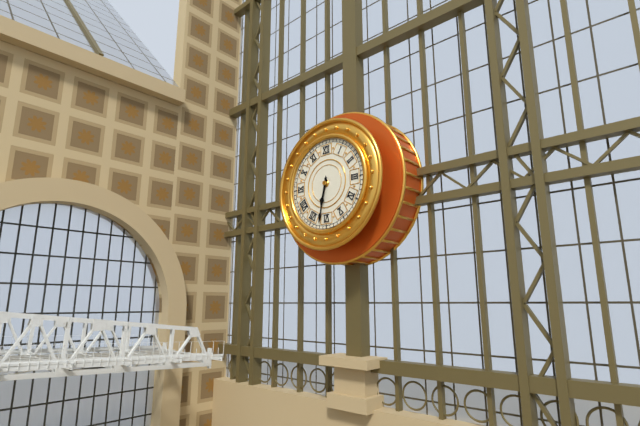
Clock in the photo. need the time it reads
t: 6:32
